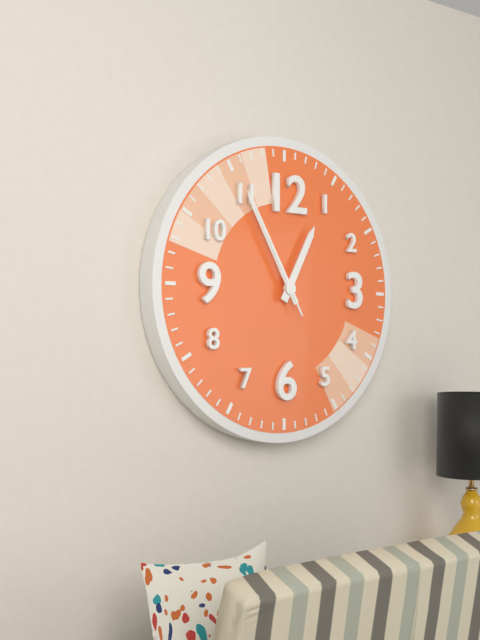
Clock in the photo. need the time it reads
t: 12:55:55
